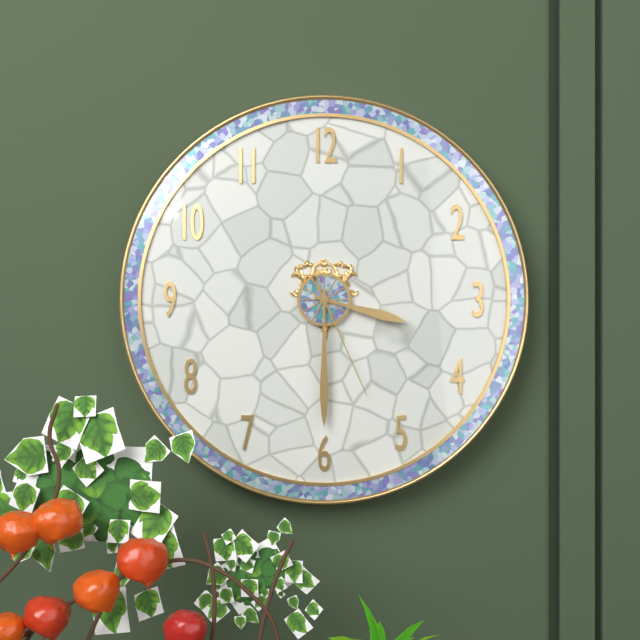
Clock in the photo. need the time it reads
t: 3:30:26
